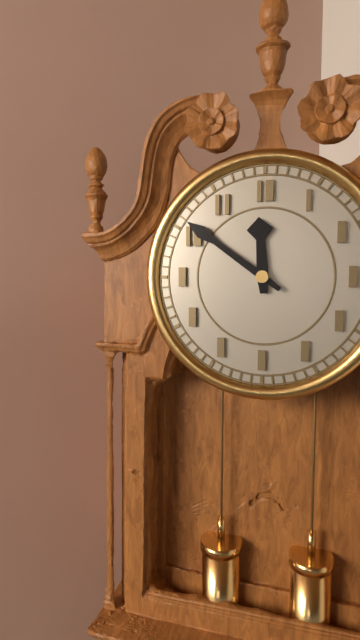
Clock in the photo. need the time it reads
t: 11:51
